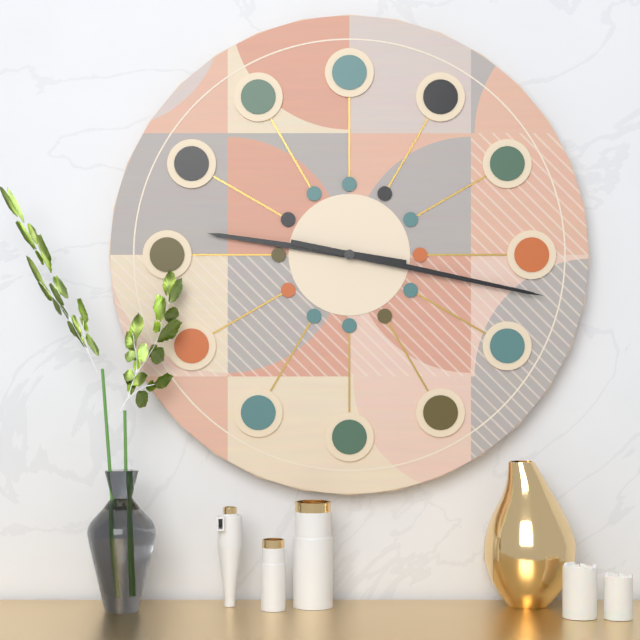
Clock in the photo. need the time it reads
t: 9:17
